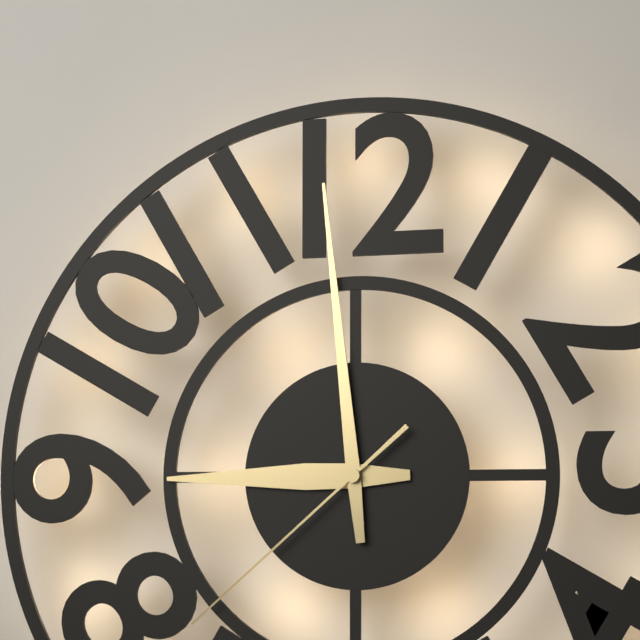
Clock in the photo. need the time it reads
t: 8:59:38
